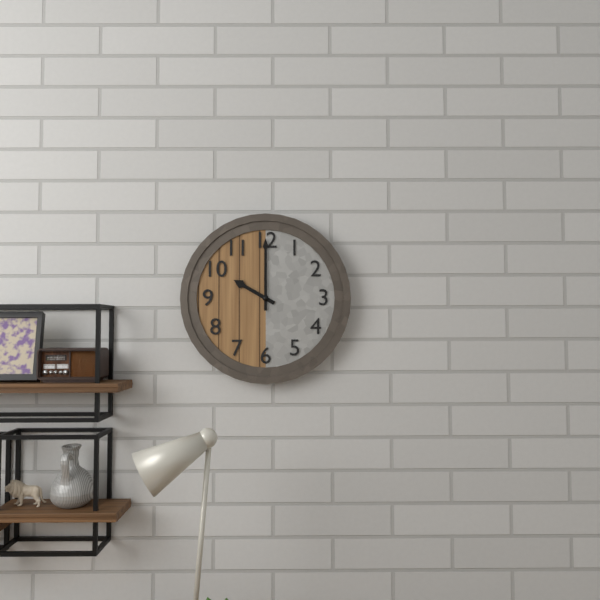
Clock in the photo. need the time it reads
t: 10:00
